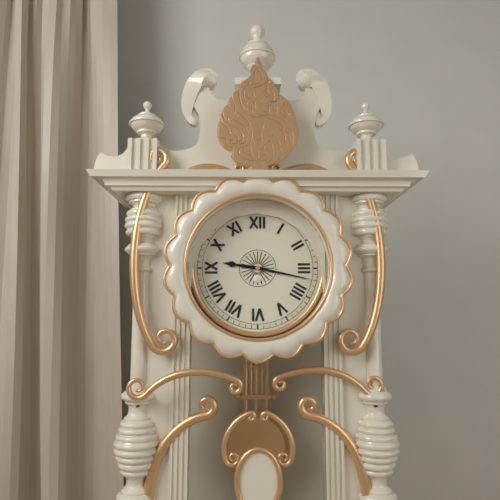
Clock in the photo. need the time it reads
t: 9:17
